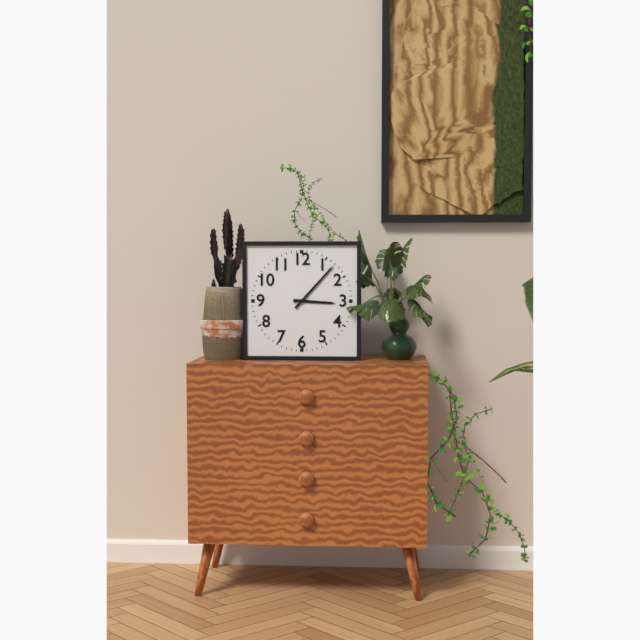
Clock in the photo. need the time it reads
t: 3:07
